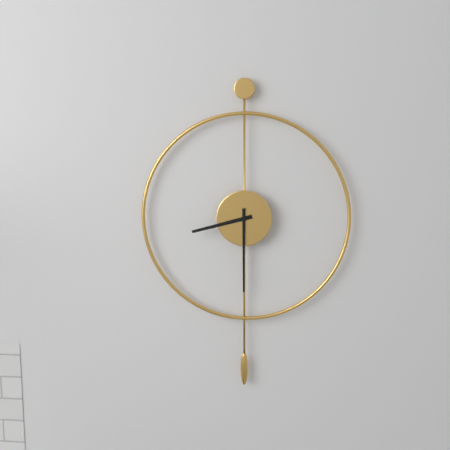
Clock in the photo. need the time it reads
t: 8:30
